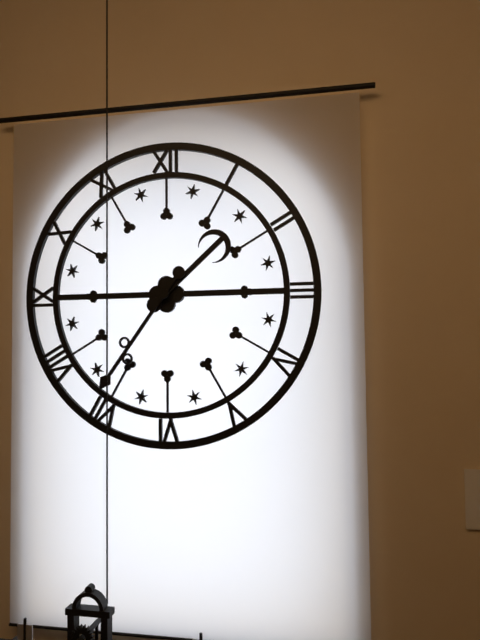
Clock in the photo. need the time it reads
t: 1:36
